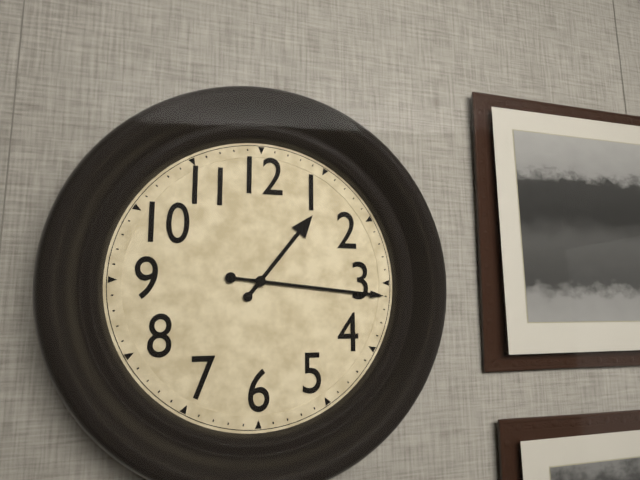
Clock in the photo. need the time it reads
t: 1:16
